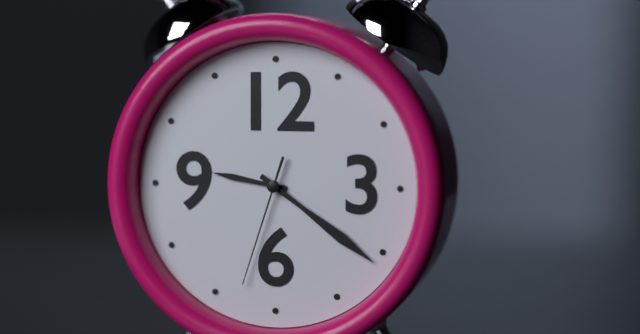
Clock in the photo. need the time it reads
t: 9:21:33
